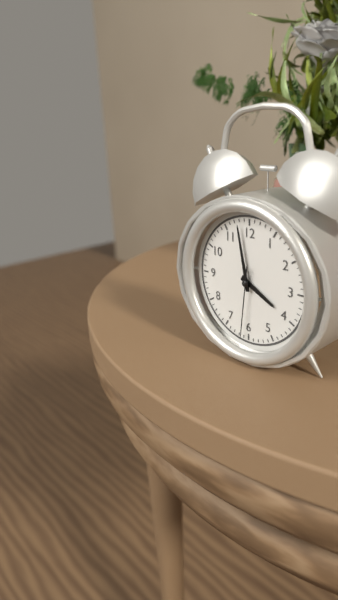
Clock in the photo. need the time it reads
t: 3:58:31
